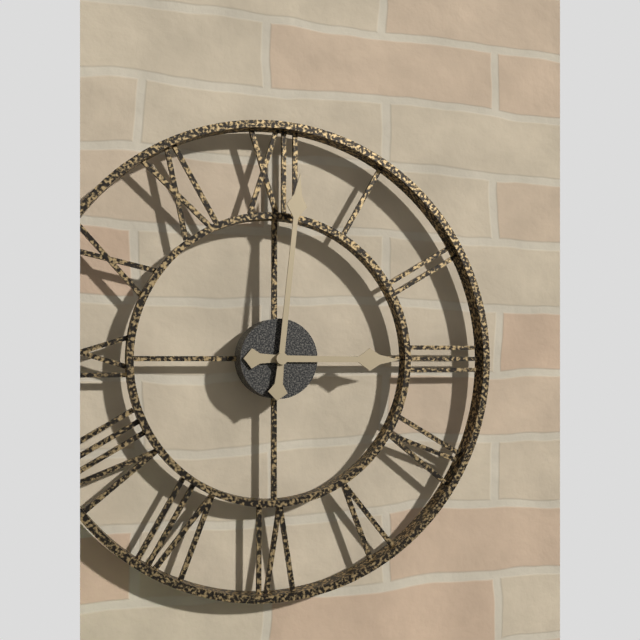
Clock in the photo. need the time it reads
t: 3:01
